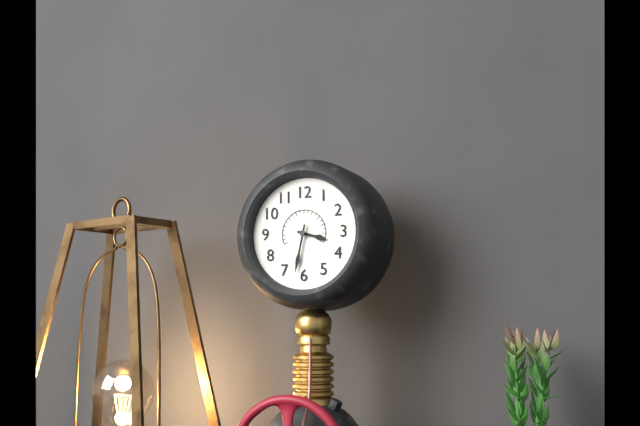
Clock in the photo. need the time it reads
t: 3:32
